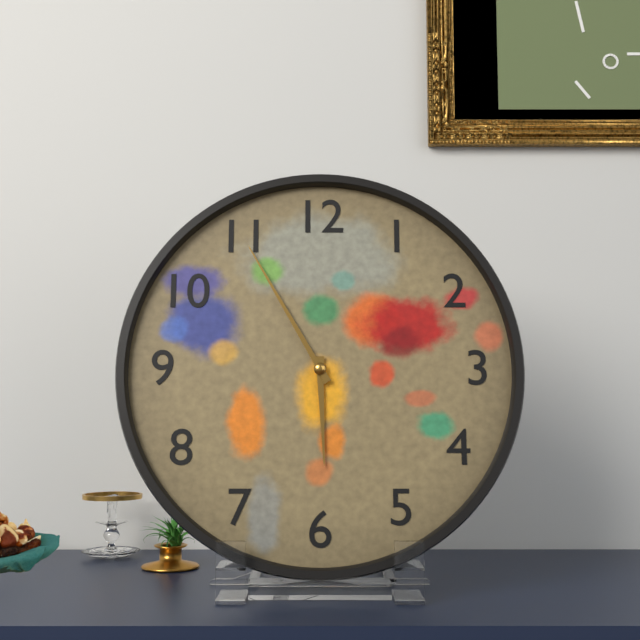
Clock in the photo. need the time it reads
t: 5:55
